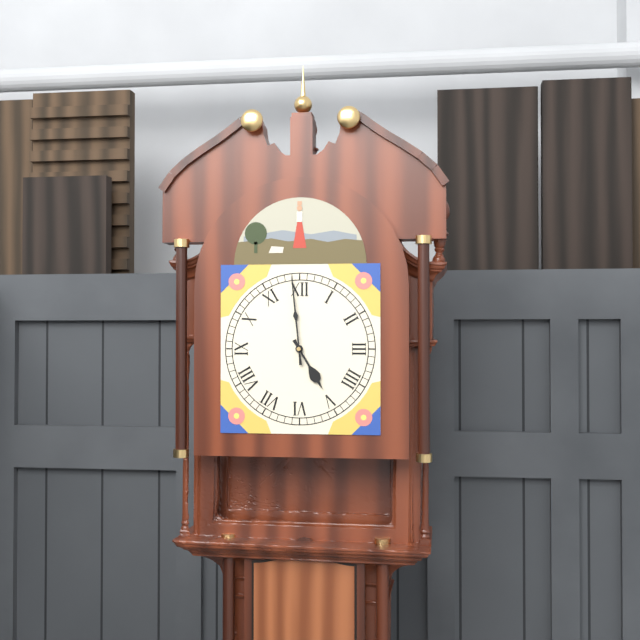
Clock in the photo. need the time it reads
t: 4:59
